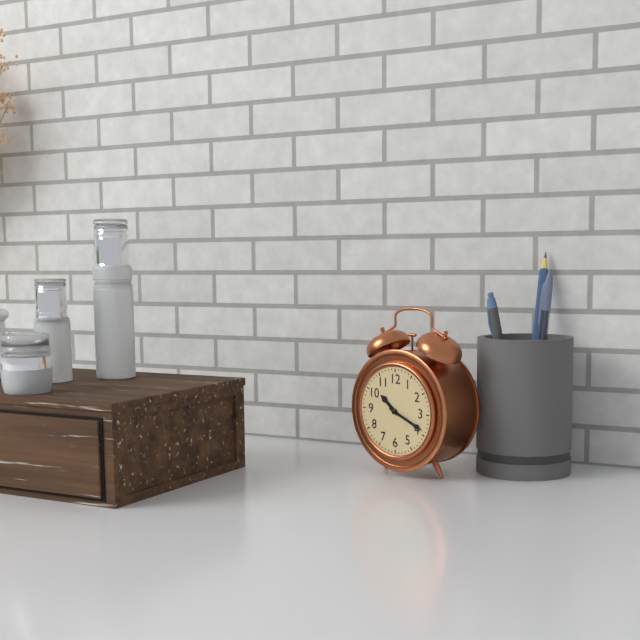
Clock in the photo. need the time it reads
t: 10:19
